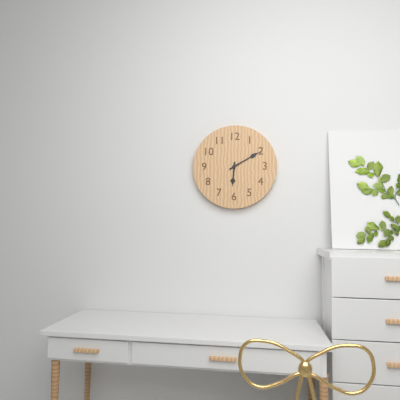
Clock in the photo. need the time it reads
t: 6:10
